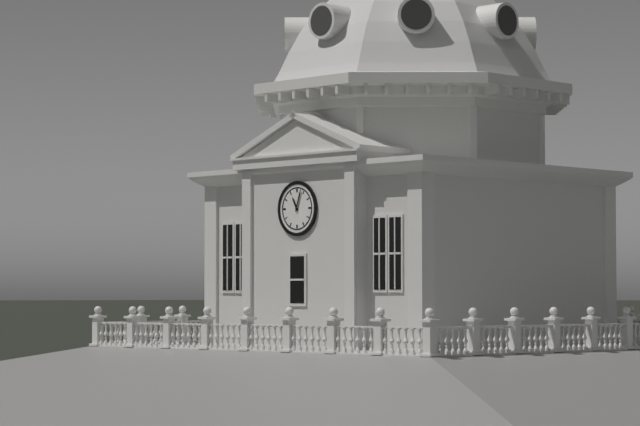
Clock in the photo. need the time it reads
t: 11:03
